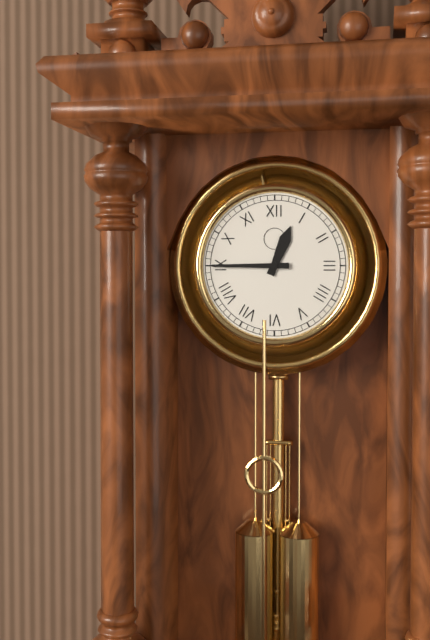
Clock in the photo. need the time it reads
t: 12:45
